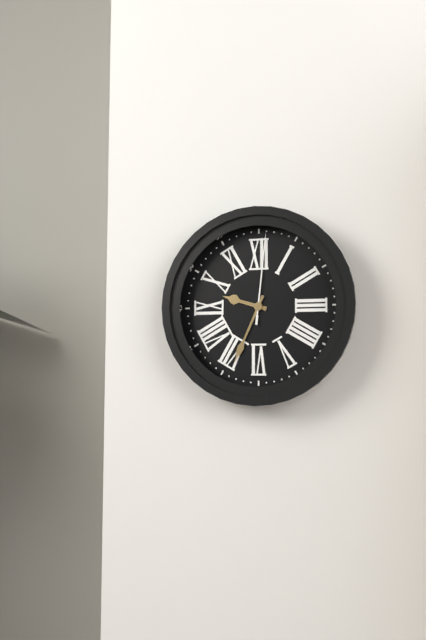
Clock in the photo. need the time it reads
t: 9:34:01
